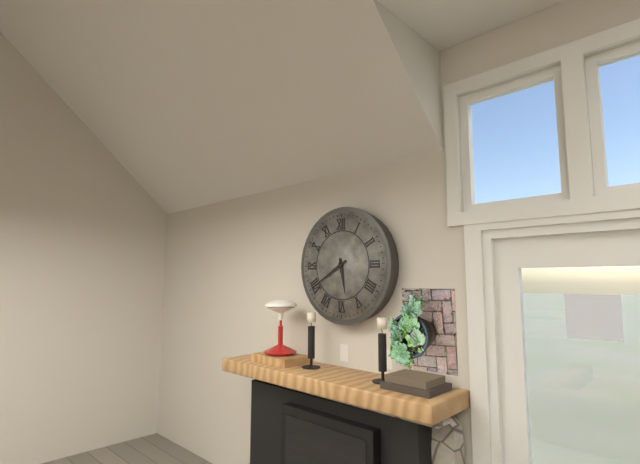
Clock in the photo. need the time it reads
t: 5:40
